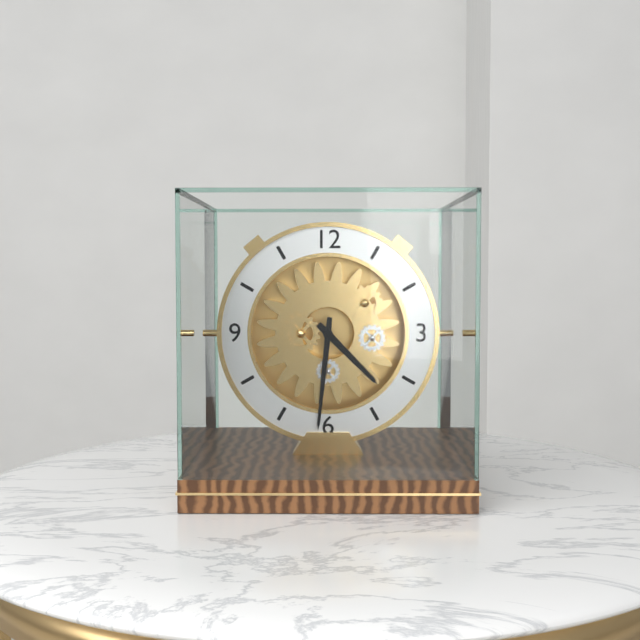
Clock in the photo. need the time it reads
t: 4:31
